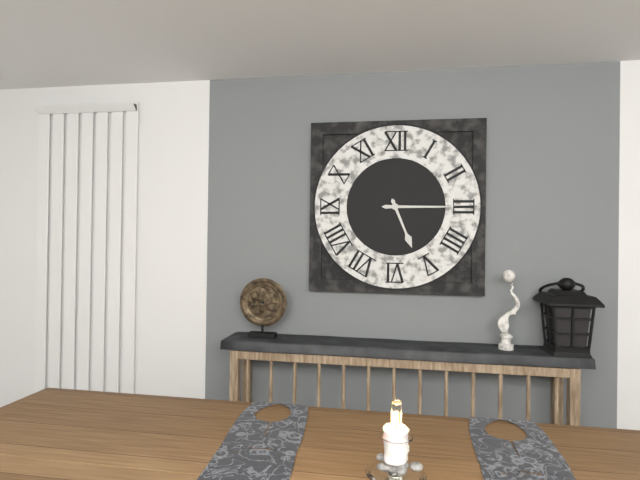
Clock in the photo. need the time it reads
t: 5:15
